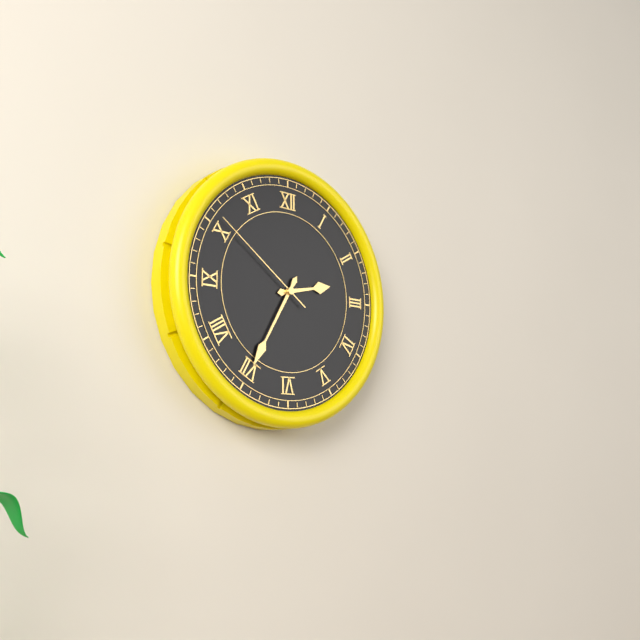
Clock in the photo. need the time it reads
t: 2:35:51
